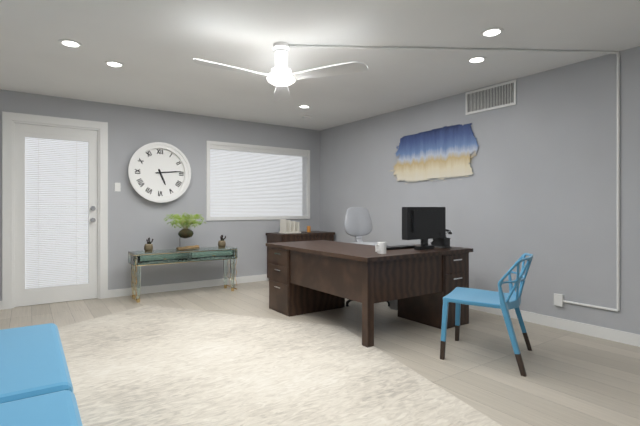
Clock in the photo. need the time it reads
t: 5:14
